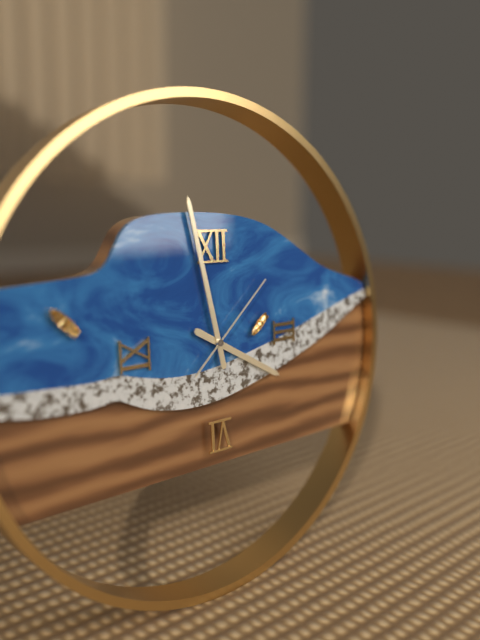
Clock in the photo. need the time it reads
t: 3:58:08
